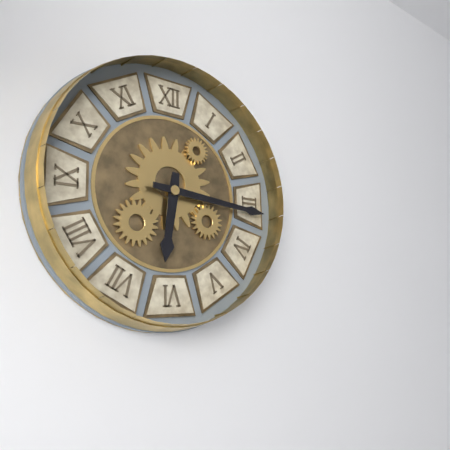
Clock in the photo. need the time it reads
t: 6:16
